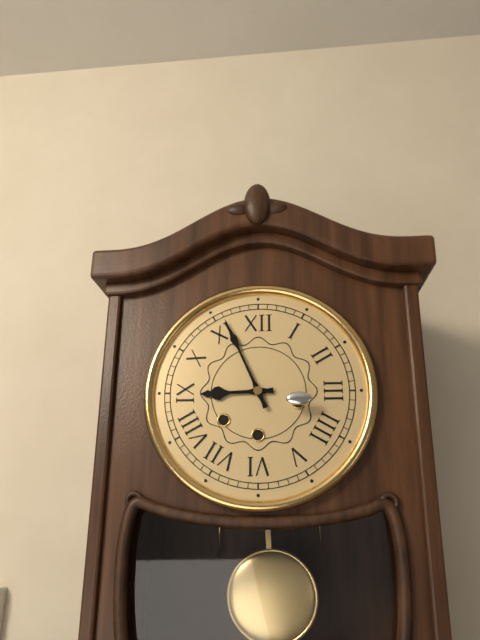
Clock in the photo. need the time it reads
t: 8:56
